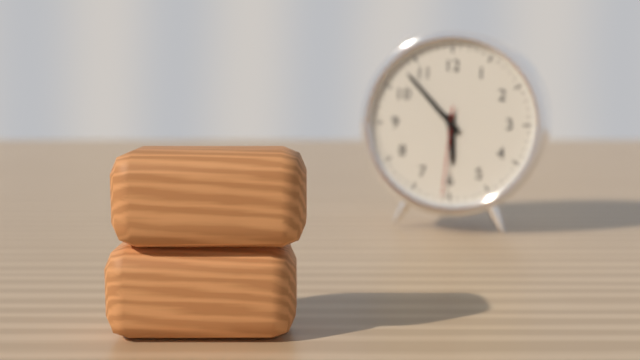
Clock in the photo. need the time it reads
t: 5:53:31
